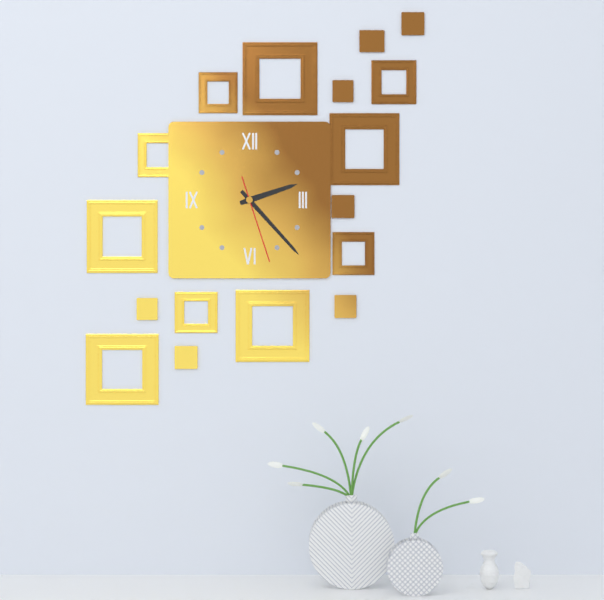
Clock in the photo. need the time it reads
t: 2:23:27
